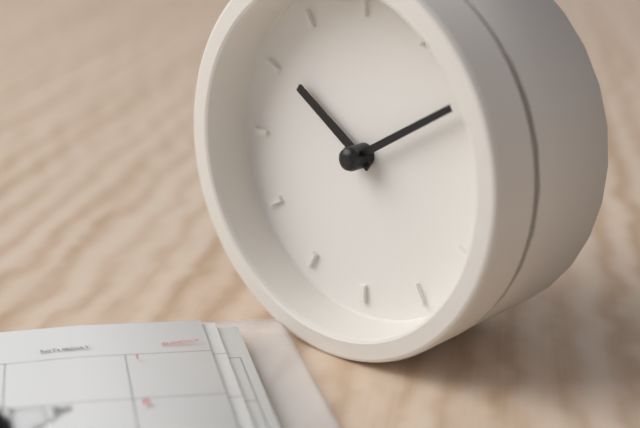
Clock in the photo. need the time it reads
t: 10:10
